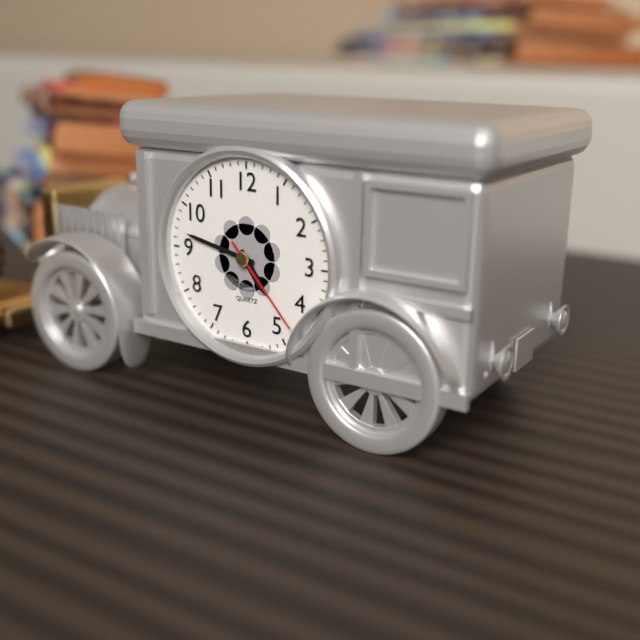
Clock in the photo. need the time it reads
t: 4:47:23
